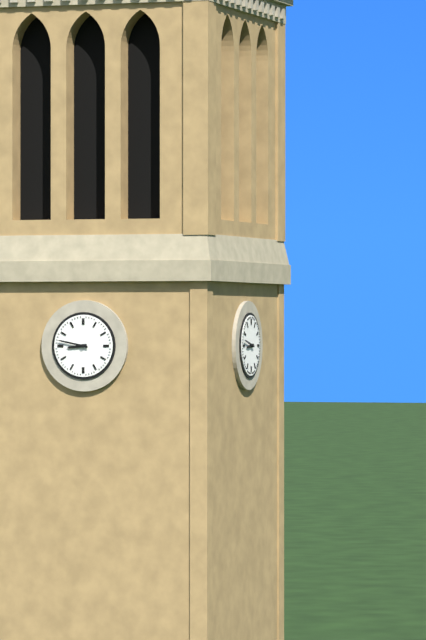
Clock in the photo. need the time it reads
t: 8:47
